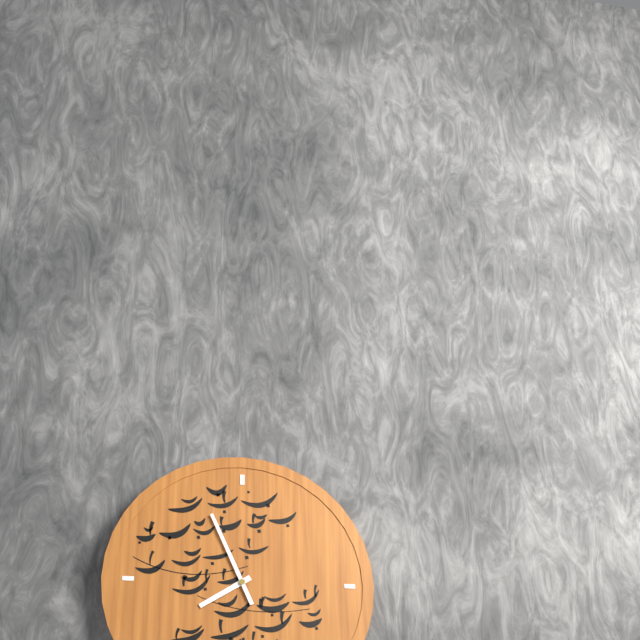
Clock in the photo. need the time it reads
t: 7:56
